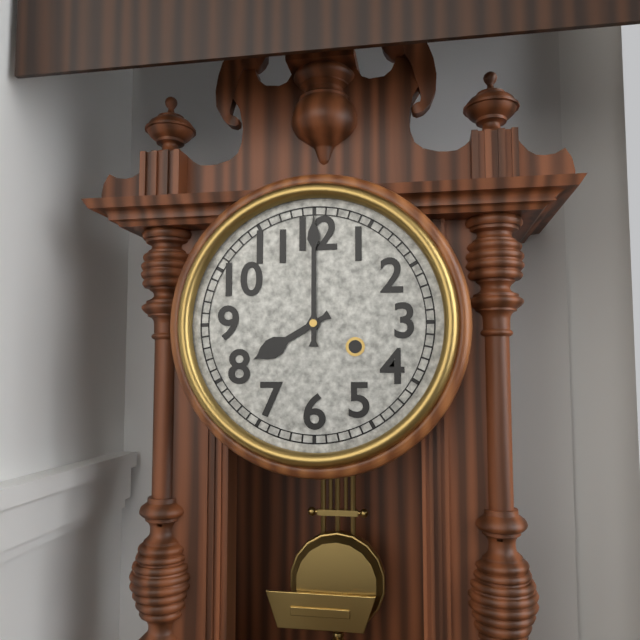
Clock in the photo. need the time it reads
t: 8:00
